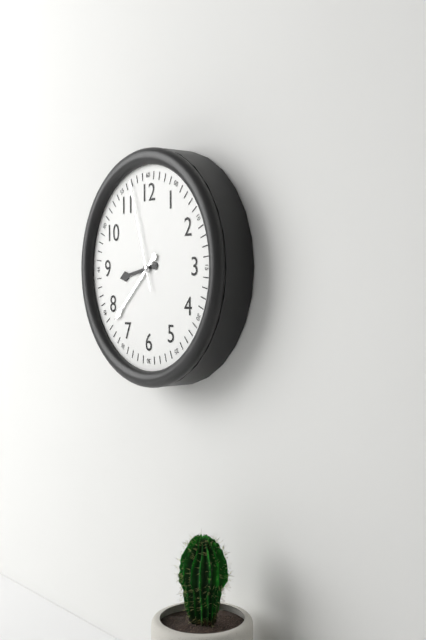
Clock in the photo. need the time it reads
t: 8:38:57
